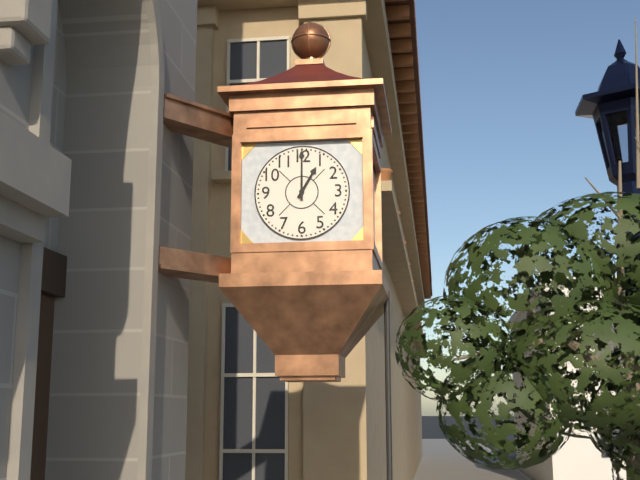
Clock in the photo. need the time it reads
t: 1:00
